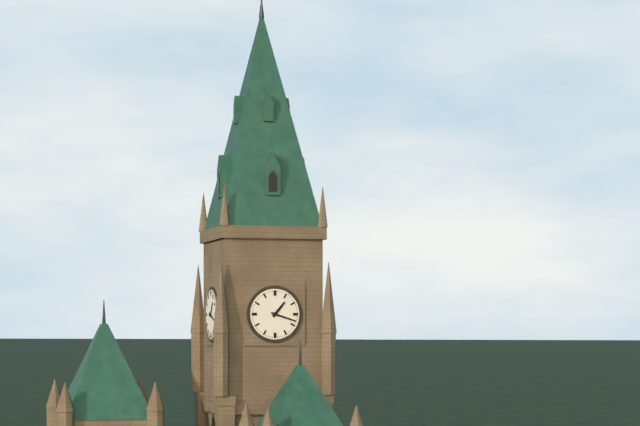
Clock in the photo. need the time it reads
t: 1:18
